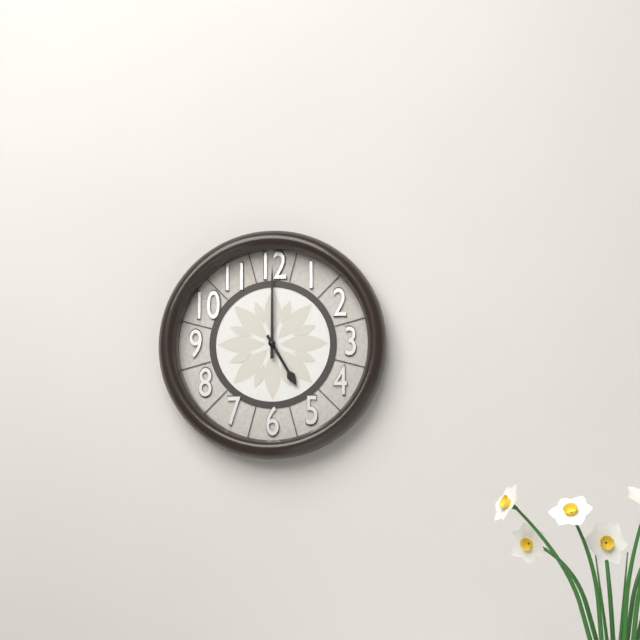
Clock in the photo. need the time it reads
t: 5:00
